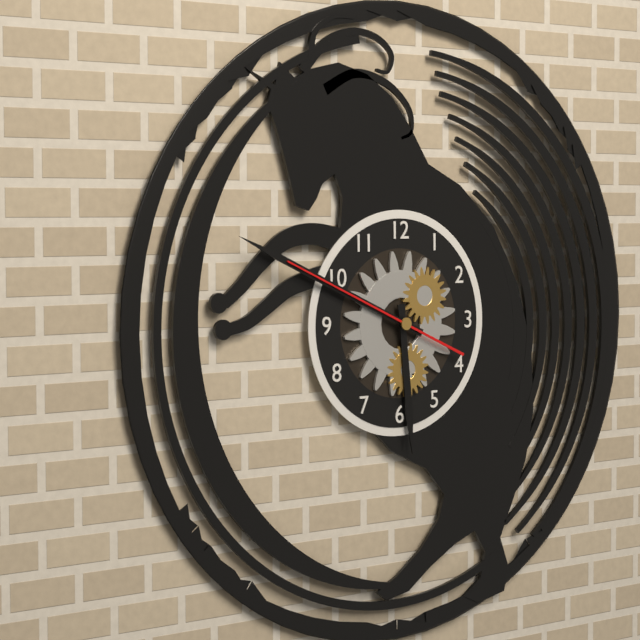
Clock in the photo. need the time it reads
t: 5:49:49
